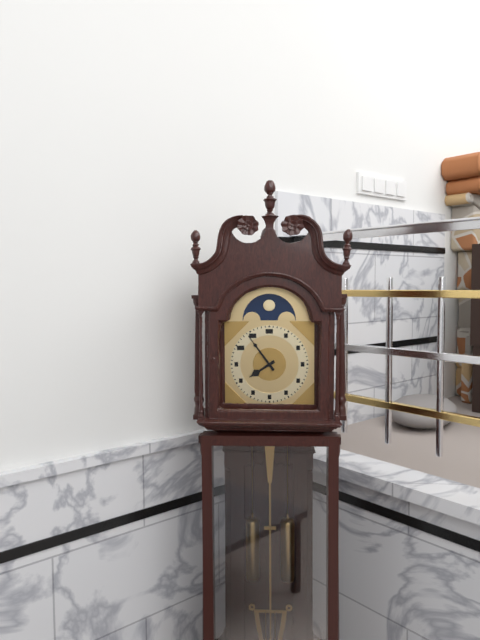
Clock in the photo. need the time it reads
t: 7:54
